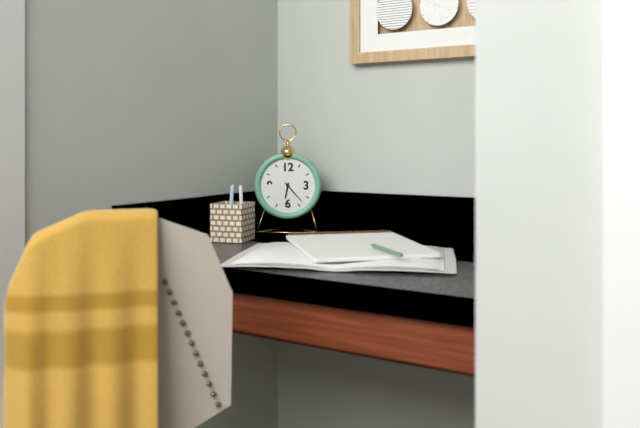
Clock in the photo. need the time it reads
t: 6:23
